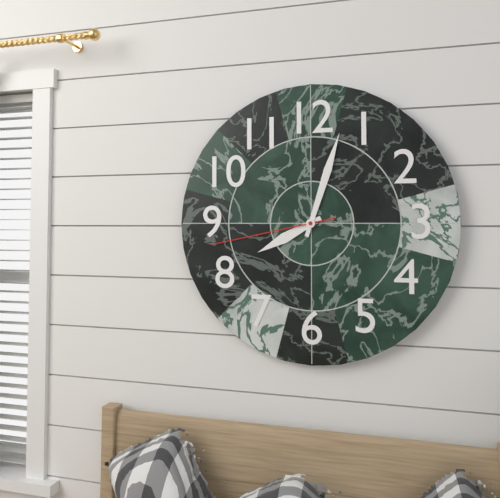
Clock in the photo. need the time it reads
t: 8:03:43
